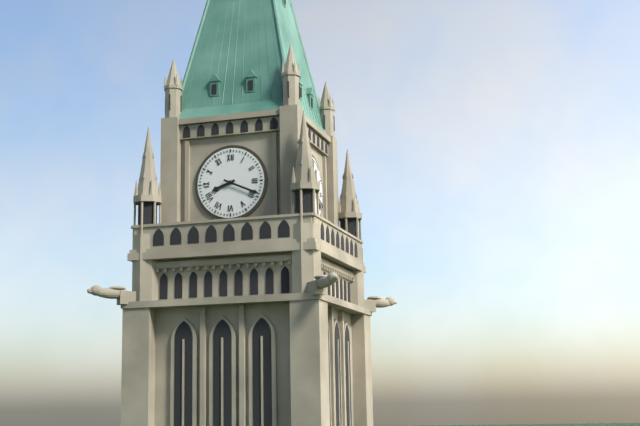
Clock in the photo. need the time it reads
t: 8:19
